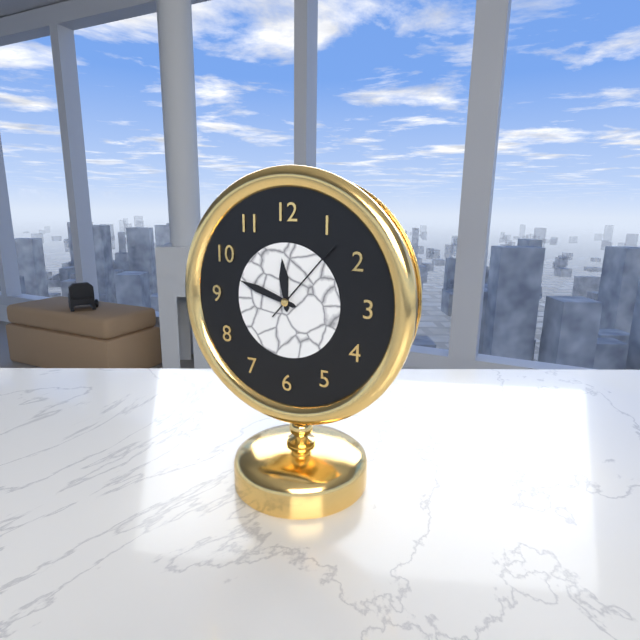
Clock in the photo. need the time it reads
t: 11:48:07
